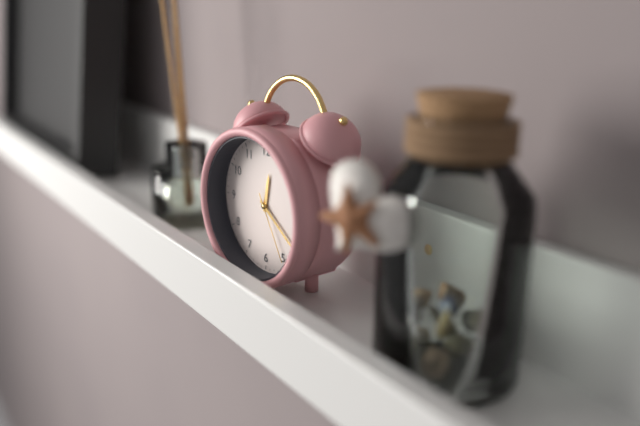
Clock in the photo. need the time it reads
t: 12:21:25
